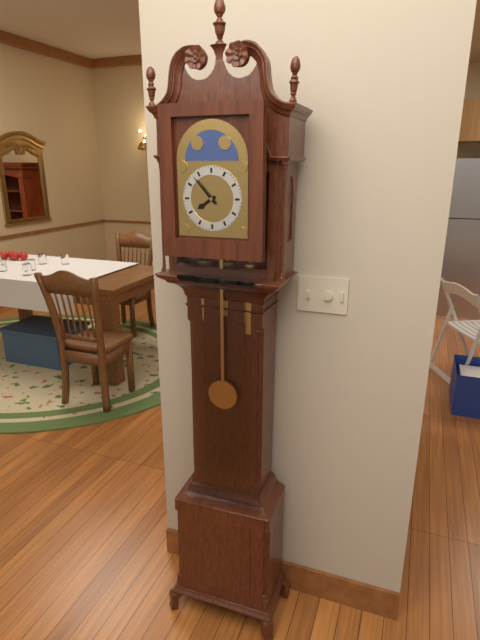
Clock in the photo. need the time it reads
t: 7:53
